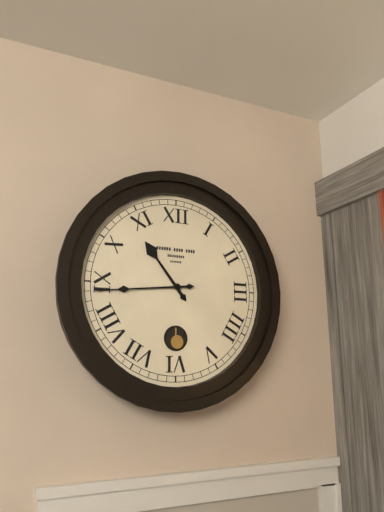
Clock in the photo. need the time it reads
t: 10:44
